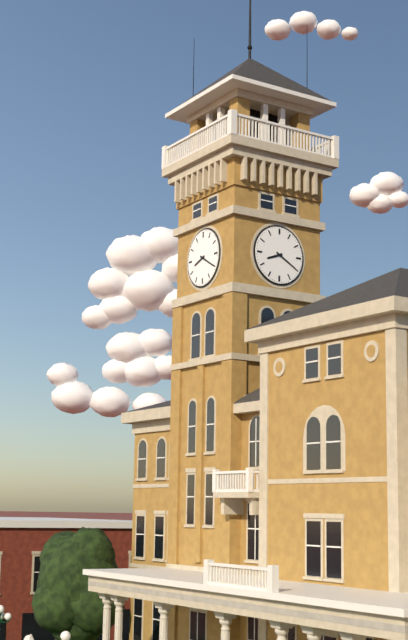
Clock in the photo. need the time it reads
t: 8:20
